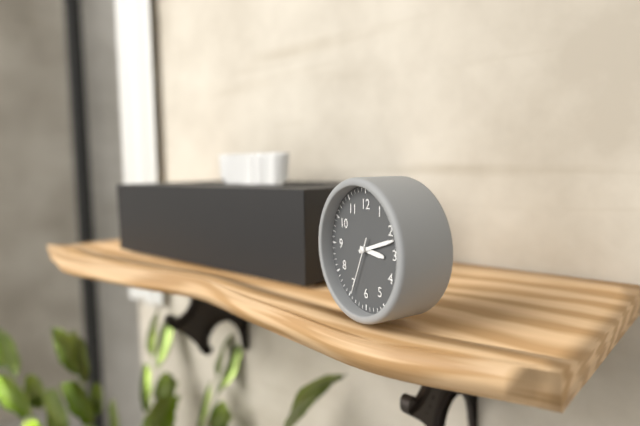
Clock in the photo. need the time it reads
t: 3:12:34
